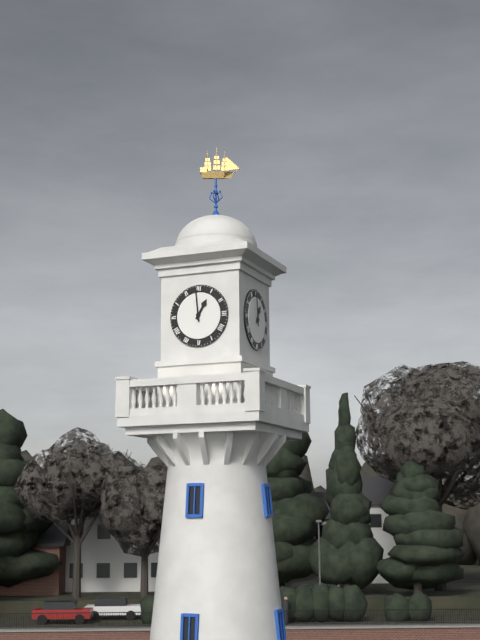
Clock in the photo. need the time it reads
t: 12:59
